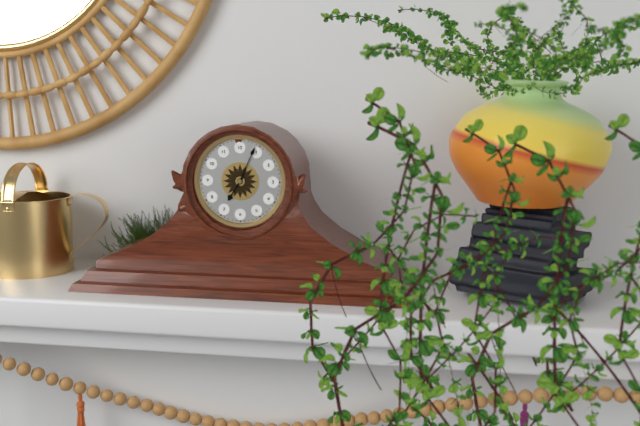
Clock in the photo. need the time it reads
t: 7:04
